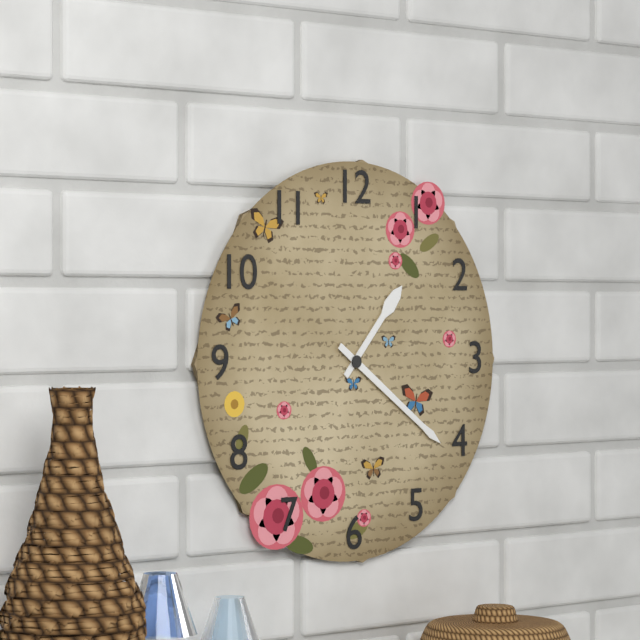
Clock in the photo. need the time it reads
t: 1:21
